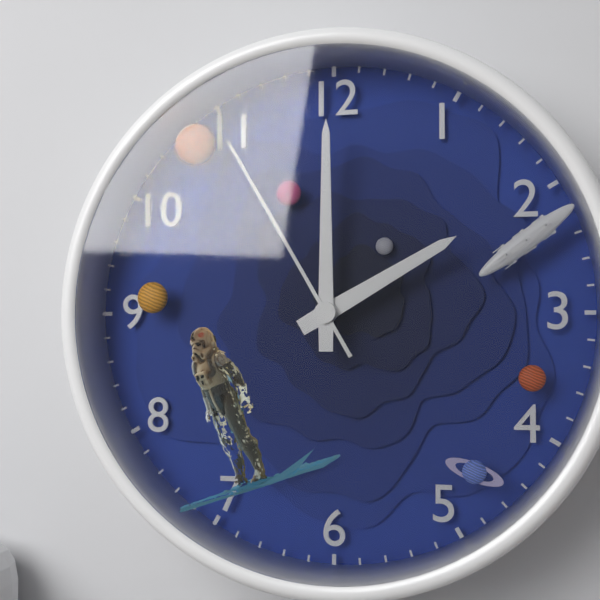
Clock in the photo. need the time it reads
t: 2:00:55
